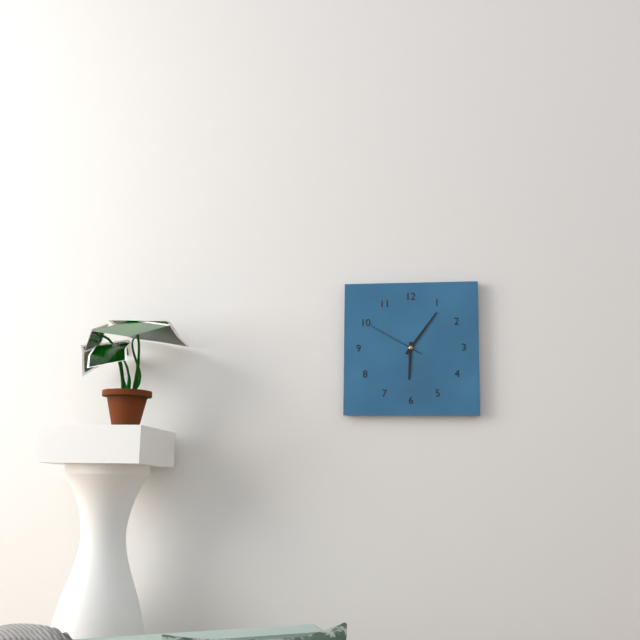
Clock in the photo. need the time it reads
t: 6:06:50
